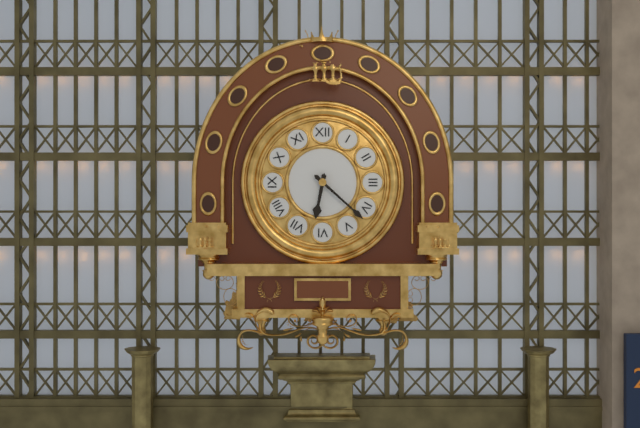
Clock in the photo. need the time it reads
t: 6:22
